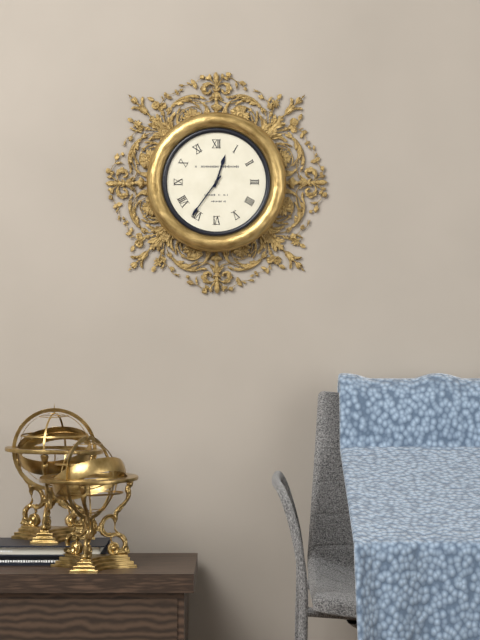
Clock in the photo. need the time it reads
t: 12:36
